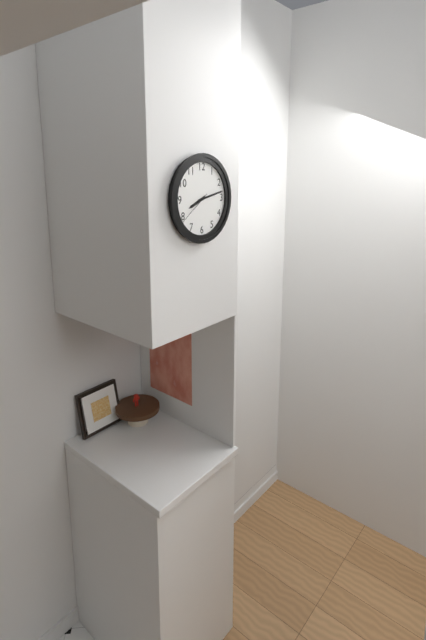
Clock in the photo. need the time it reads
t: 8:13
